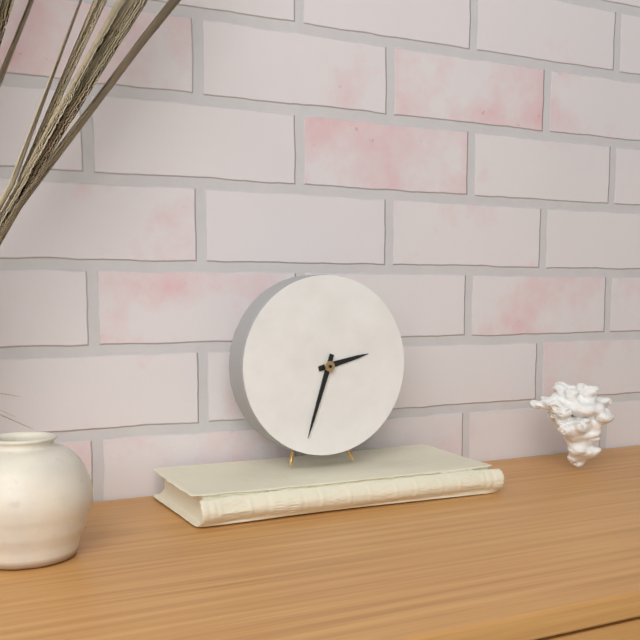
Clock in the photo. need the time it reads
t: 2:33
